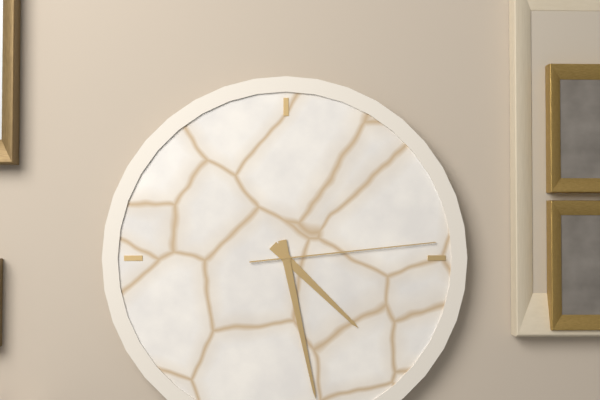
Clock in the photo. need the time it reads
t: 4:28:14
